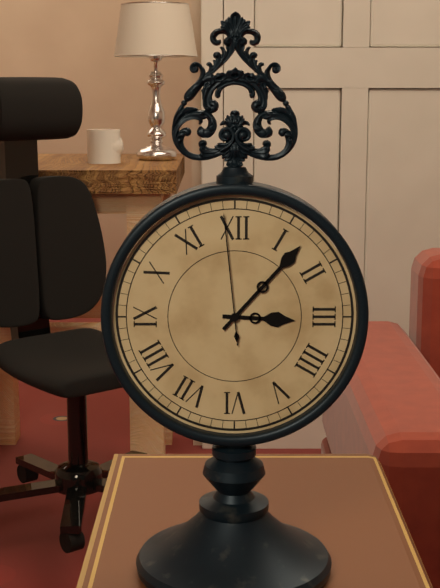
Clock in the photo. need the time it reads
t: 3:07:59
